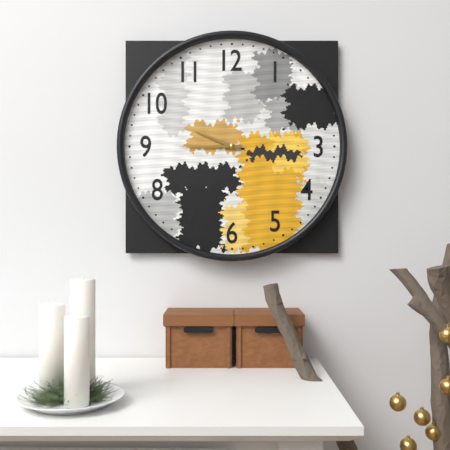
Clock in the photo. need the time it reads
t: 9:45
